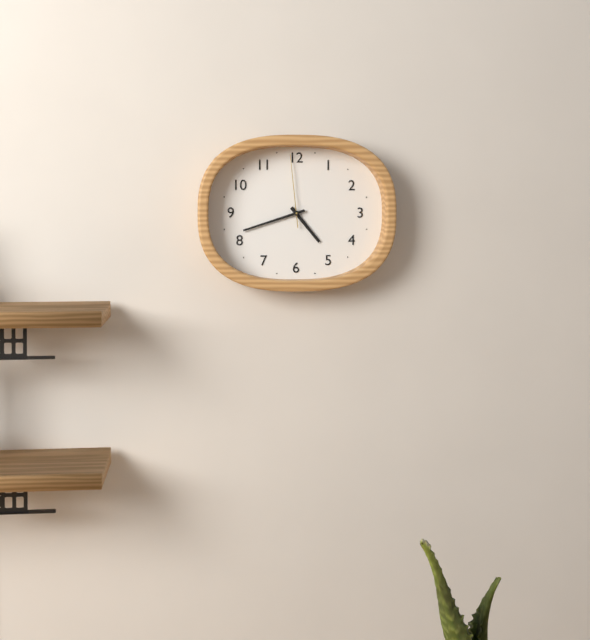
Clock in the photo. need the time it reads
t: 4:42:59
